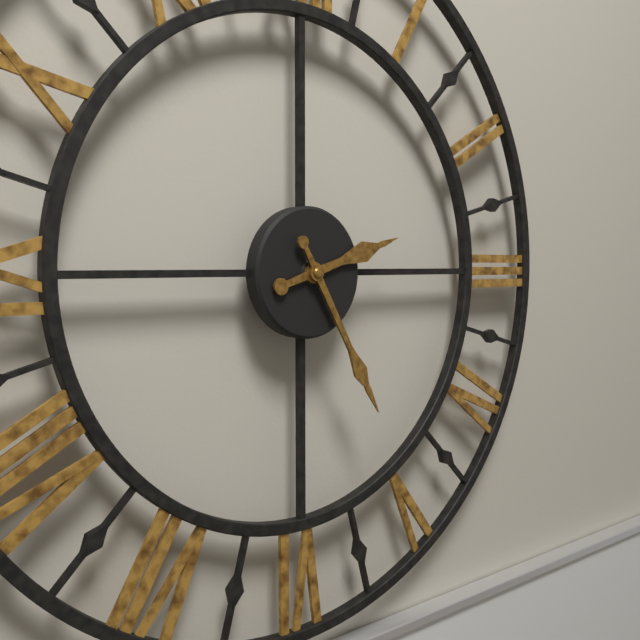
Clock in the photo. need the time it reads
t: 2:25
